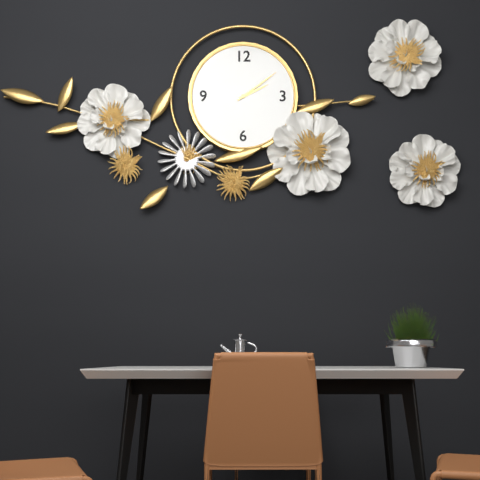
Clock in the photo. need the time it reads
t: 2:09
